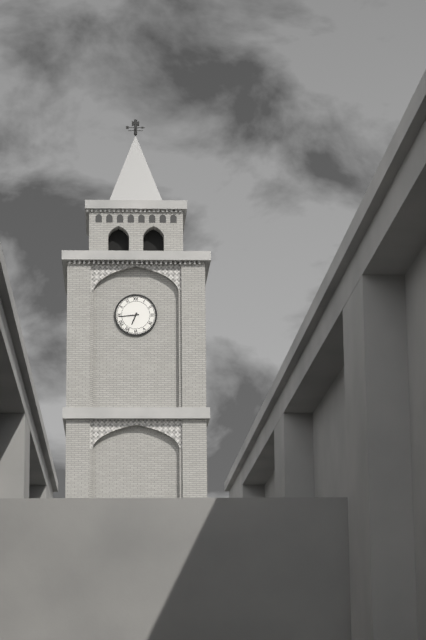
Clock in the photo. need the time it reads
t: 6:44
